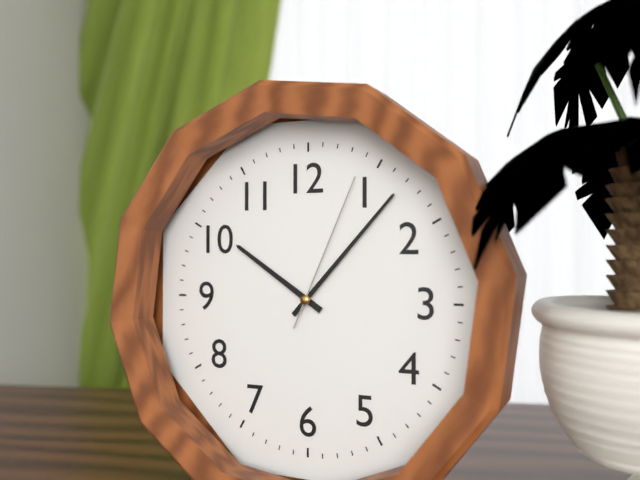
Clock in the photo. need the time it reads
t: 10:07:04
